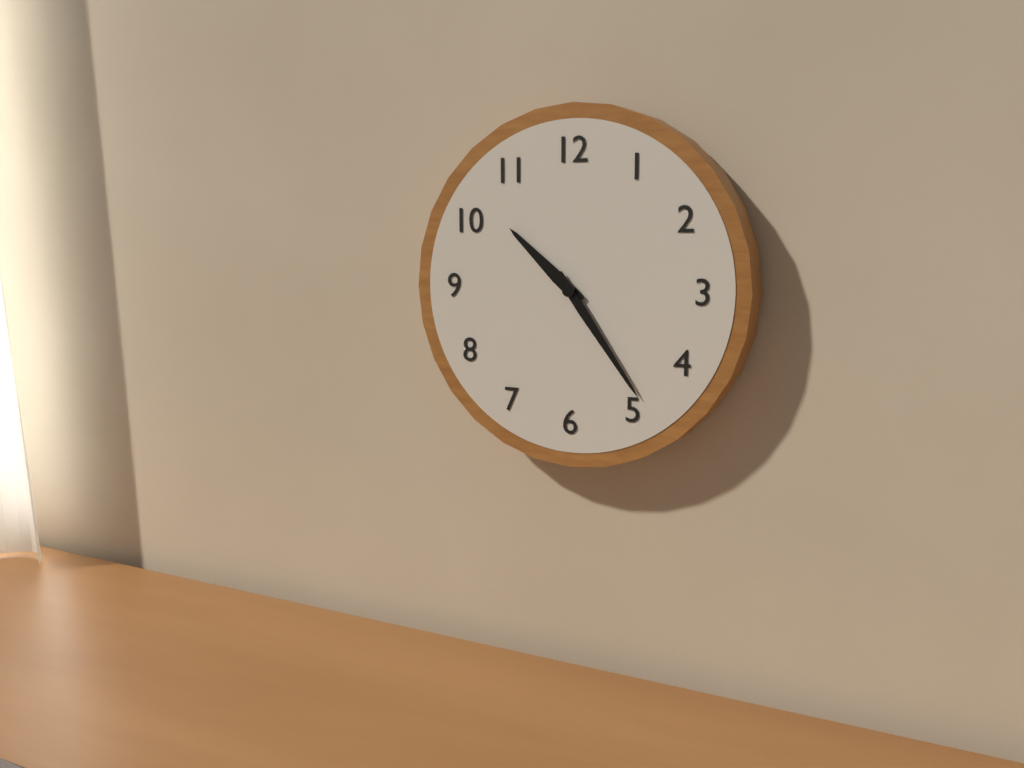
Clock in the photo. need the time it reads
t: 10:24
